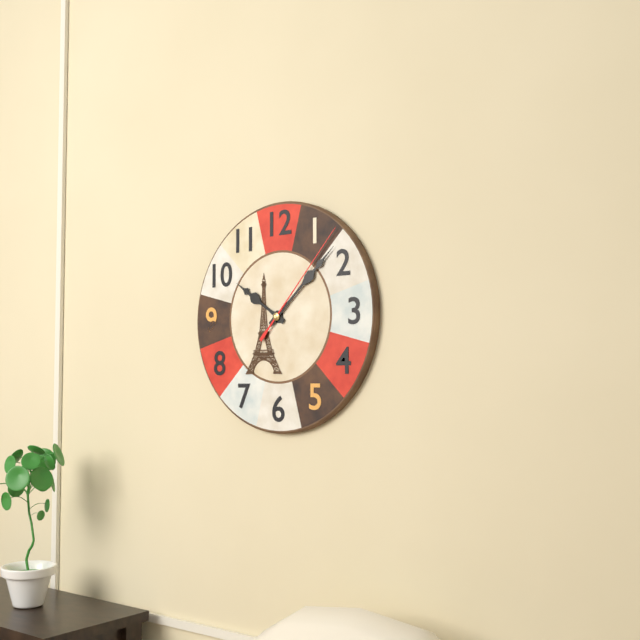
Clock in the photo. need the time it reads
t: 10:08:07
